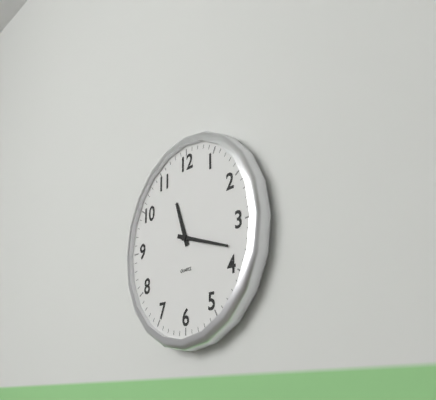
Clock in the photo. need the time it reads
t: 11:18
